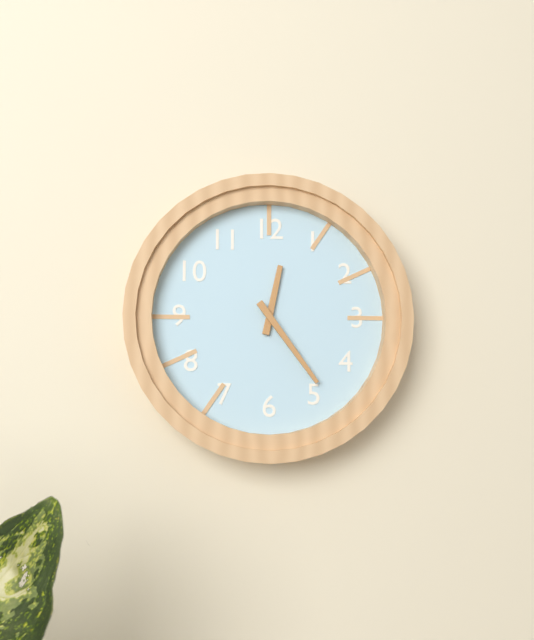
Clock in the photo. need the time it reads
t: 12:24
